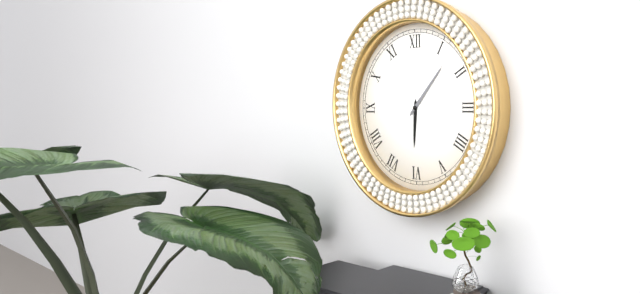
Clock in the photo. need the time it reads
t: 6:07
